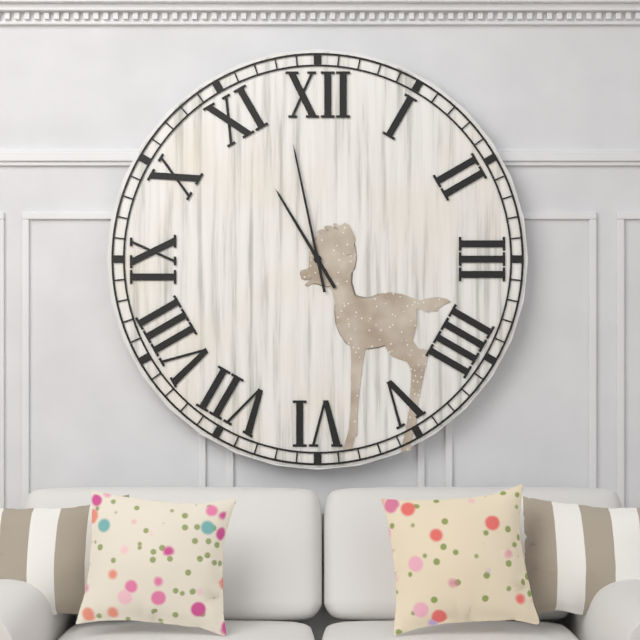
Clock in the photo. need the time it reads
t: 10:58
